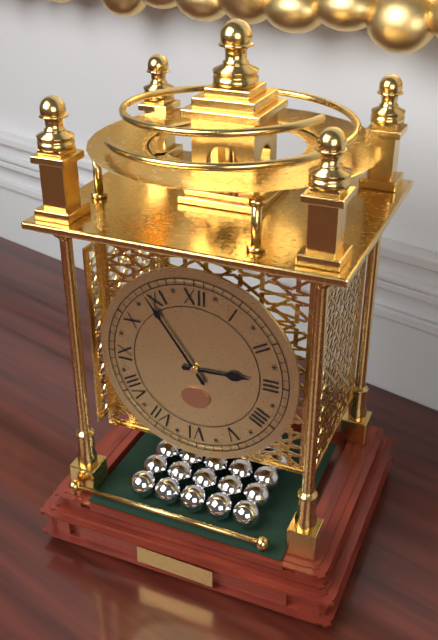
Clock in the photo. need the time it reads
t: 2:54
